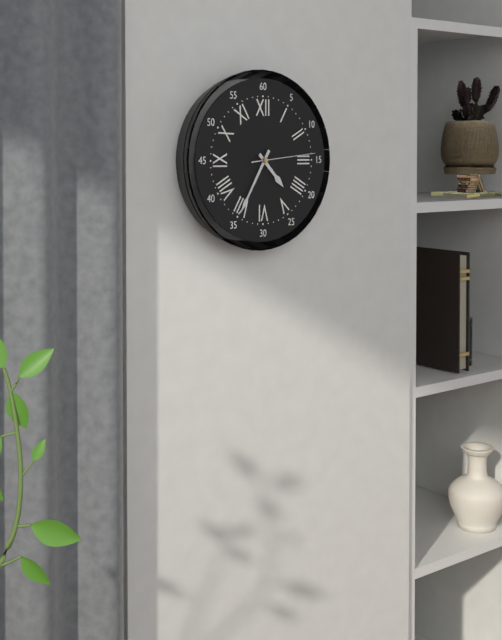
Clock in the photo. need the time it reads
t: 4:35:14
